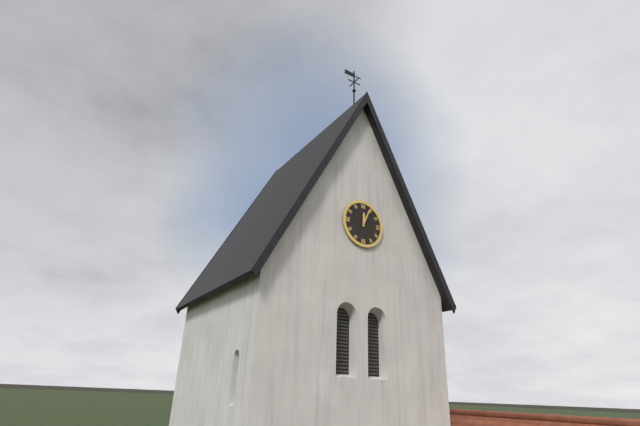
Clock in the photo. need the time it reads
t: 12:04
